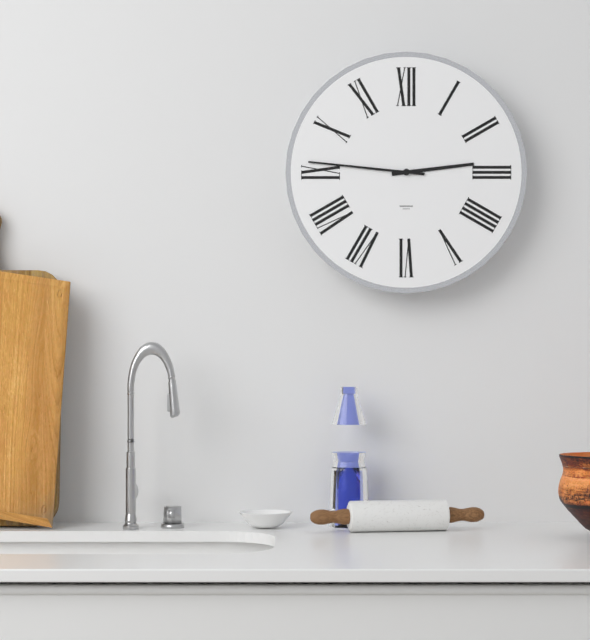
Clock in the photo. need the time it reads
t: 2:46
